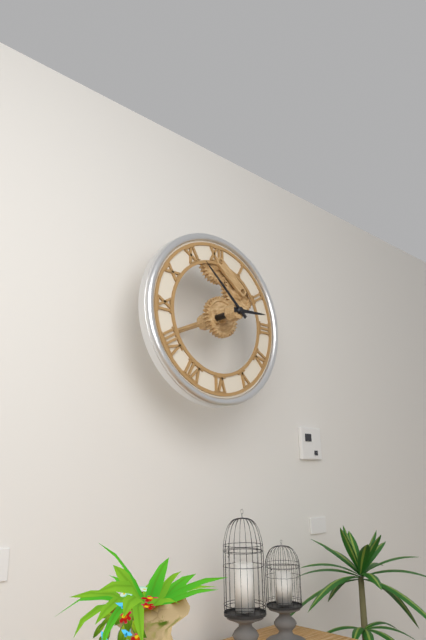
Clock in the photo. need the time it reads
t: 2:52
